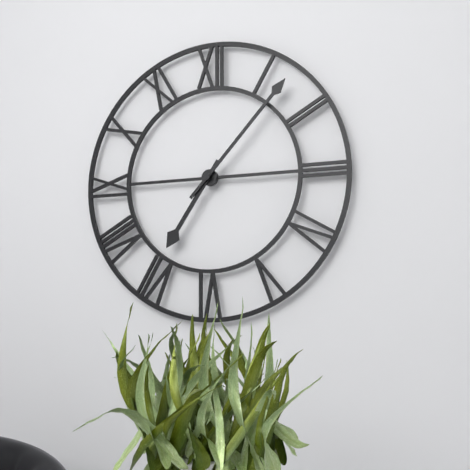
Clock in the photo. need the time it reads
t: 7:07
